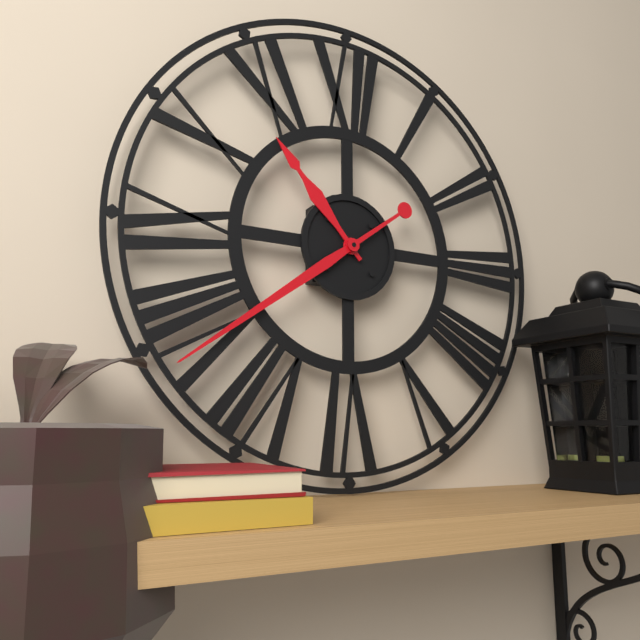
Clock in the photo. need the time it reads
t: 10:39
